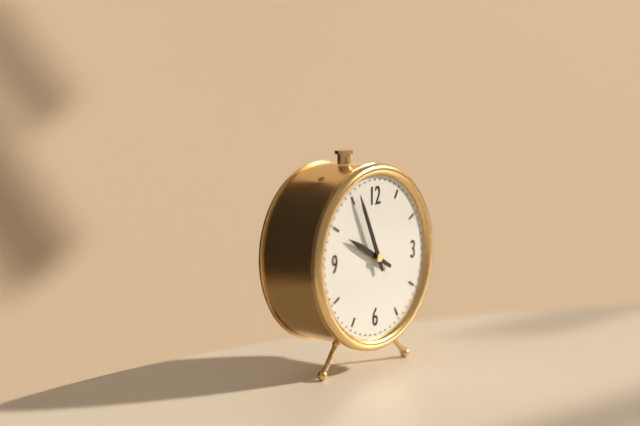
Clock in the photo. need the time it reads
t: 9:56
